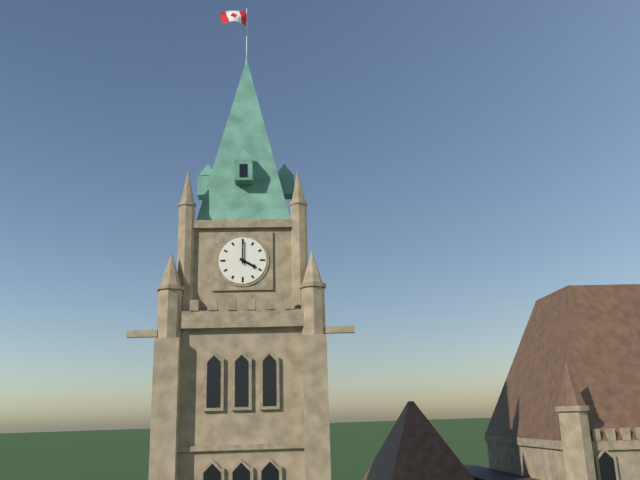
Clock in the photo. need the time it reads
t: 4:00
